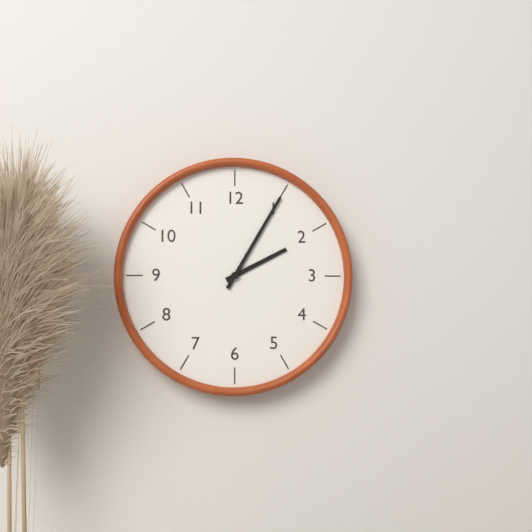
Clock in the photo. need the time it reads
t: 2:05
